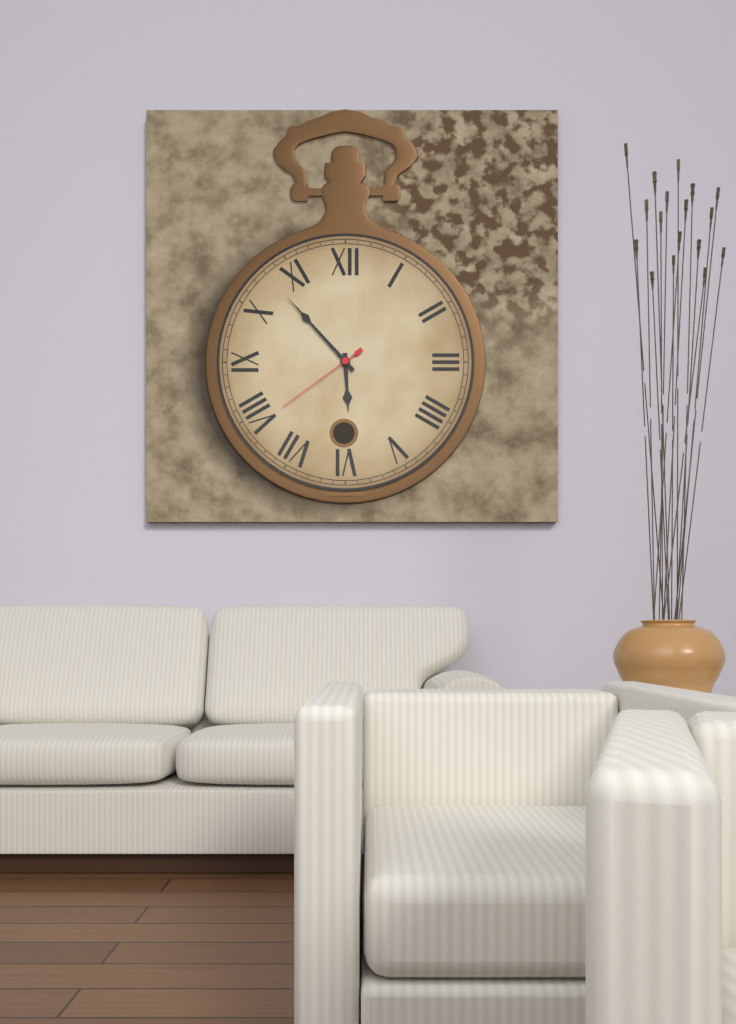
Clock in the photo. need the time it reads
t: 5:53:39
